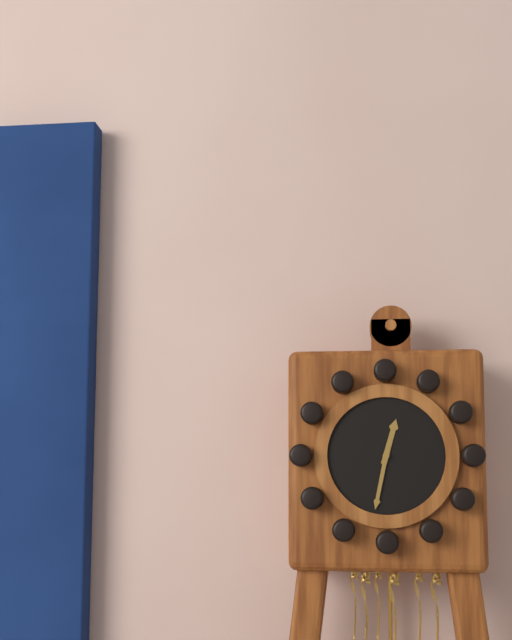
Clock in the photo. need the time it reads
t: 12:32
